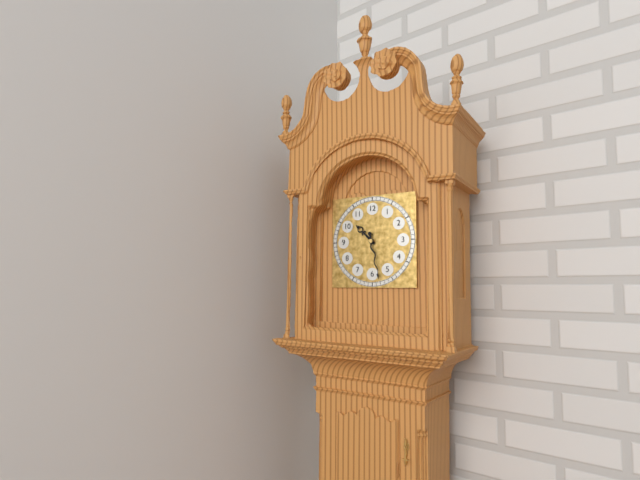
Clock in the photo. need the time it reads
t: 10:28
